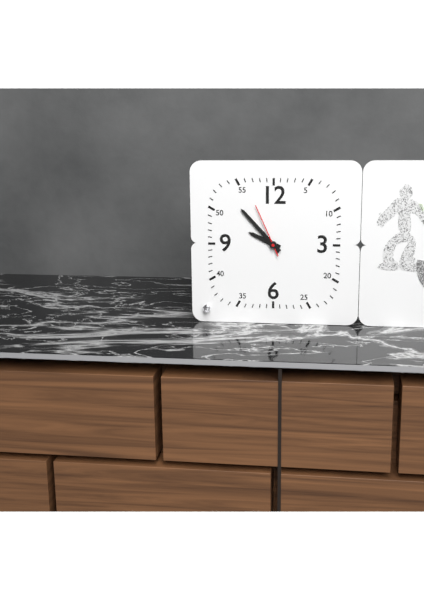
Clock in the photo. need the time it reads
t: 9:53:56
